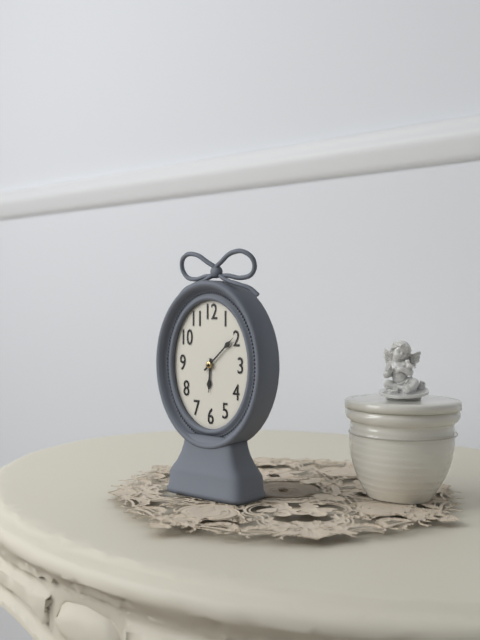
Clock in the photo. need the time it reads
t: 6:08
